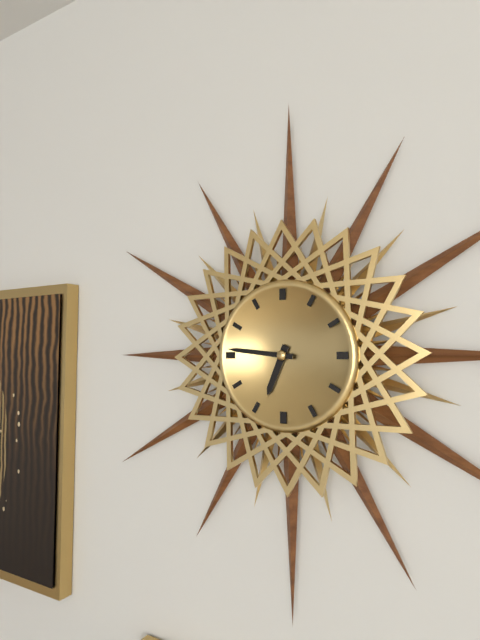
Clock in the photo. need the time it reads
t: 6:46
